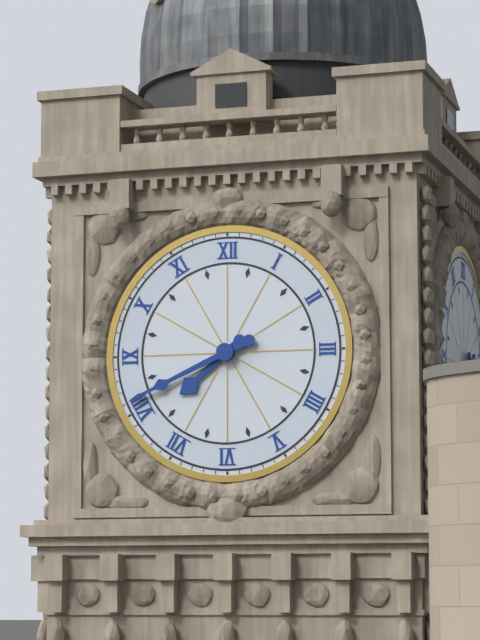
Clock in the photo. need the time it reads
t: 7:41
